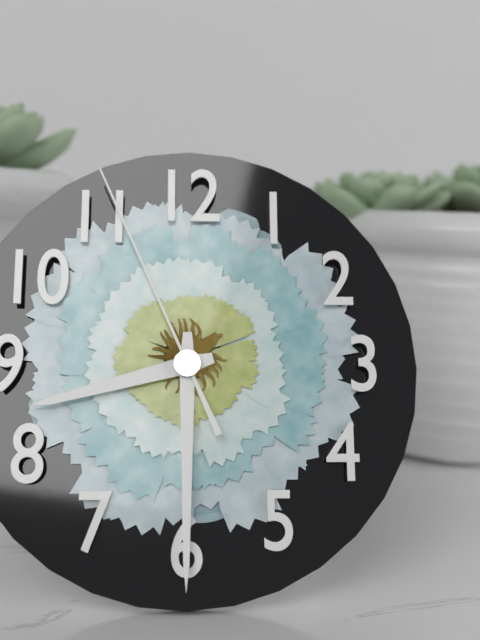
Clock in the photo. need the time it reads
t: 8:30:56
